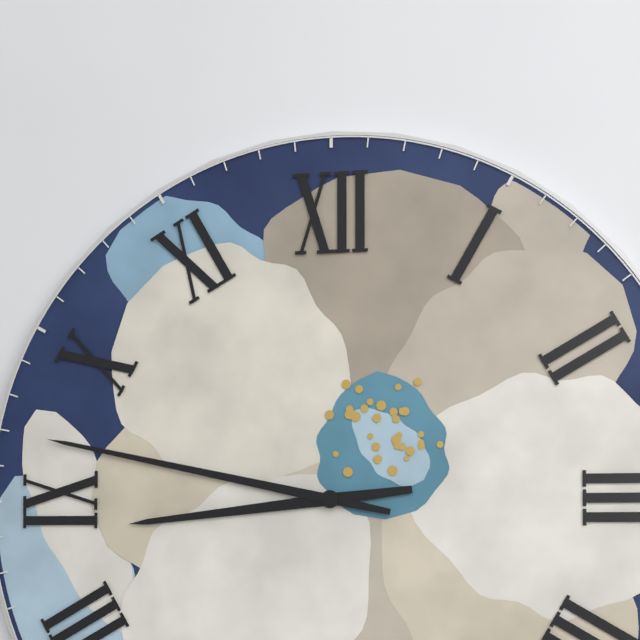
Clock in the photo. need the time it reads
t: 8:47
